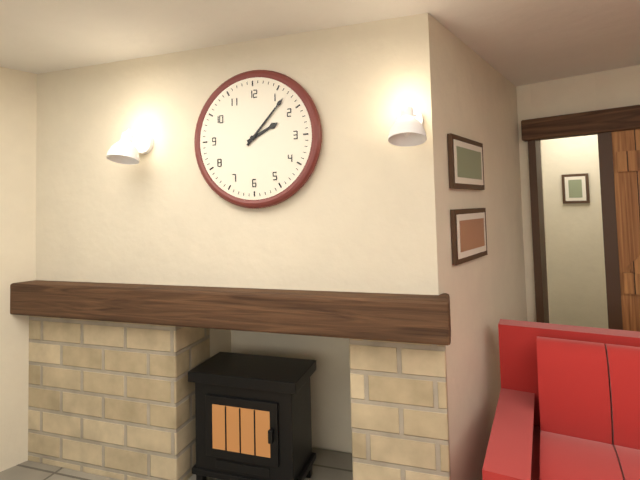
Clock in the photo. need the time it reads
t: 2:07
